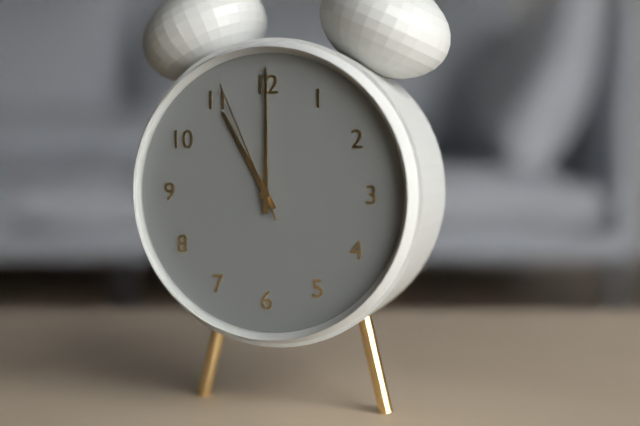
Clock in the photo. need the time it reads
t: 11:00:56
